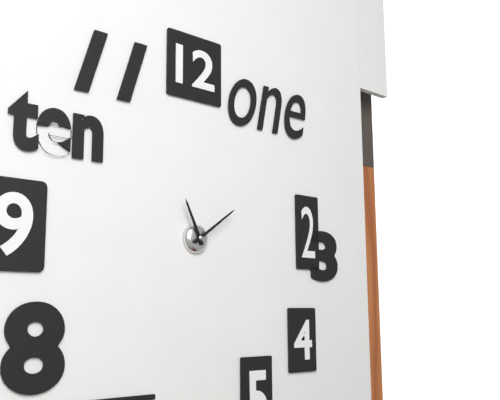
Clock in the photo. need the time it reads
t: 11:09
